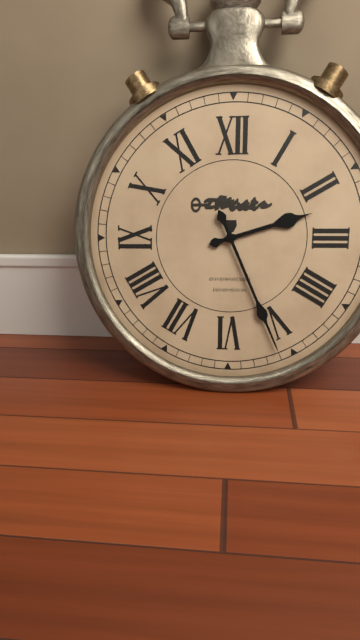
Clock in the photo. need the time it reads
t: 2:26
